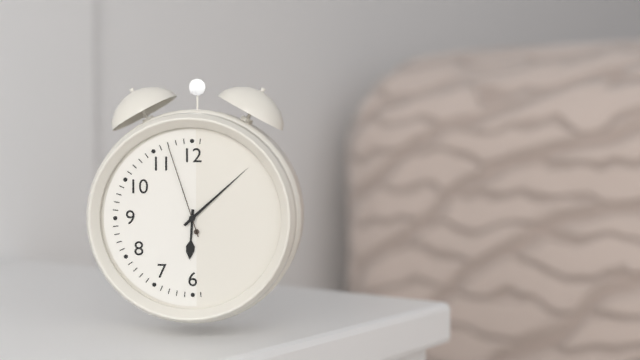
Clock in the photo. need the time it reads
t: 6:08:57
